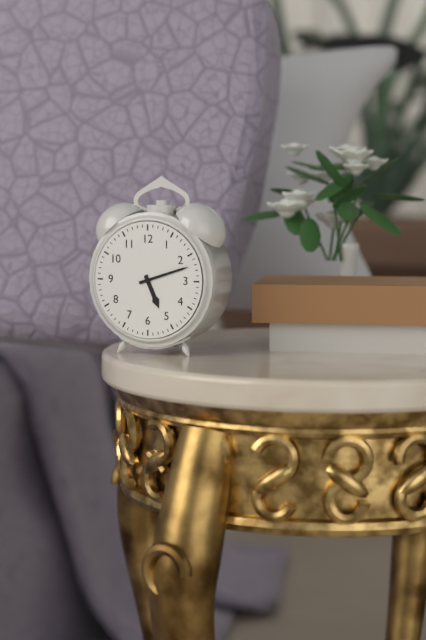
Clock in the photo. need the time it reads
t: 5:12
